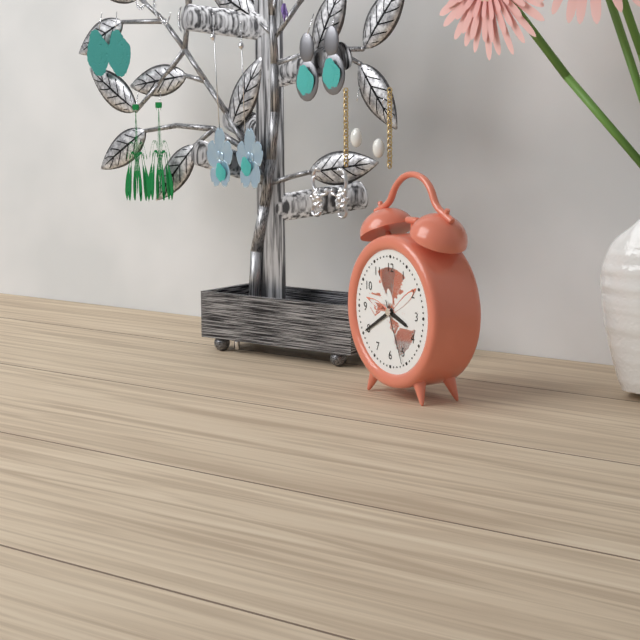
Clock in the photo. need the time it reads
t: 3:40:26
